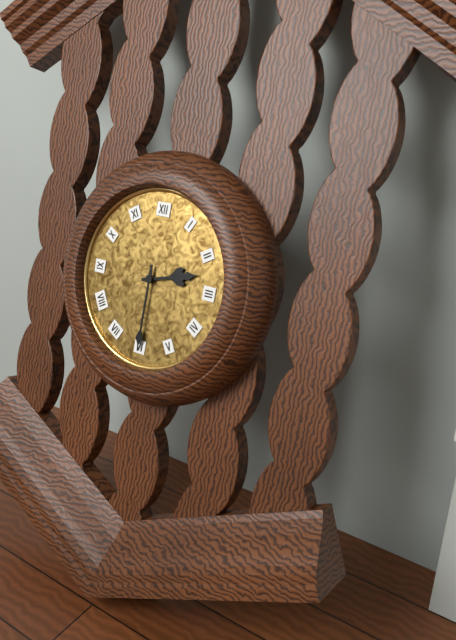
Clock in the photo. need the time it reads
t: 2:30
